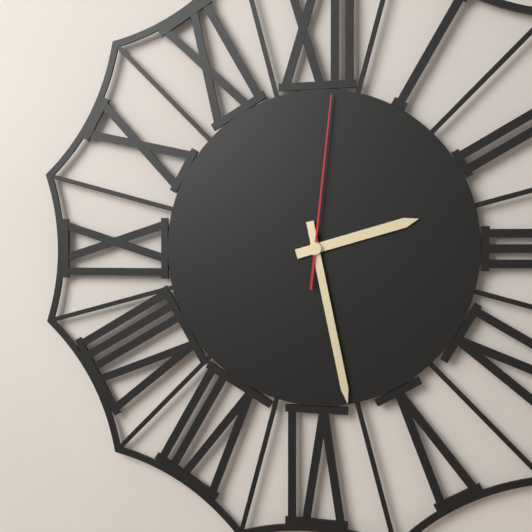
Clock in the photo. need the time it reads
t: 2:28:01
